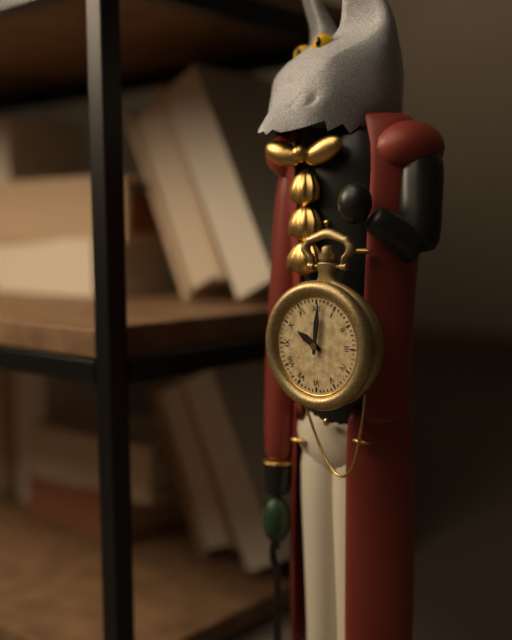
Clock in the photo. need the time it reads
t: 10:01
